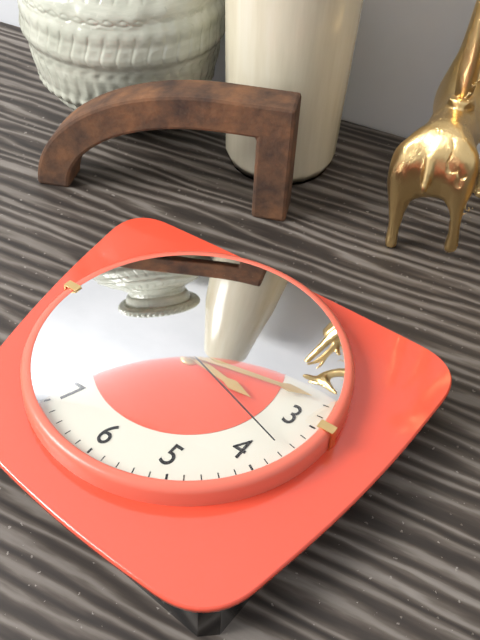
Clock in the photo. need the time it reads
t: 3:13:18
